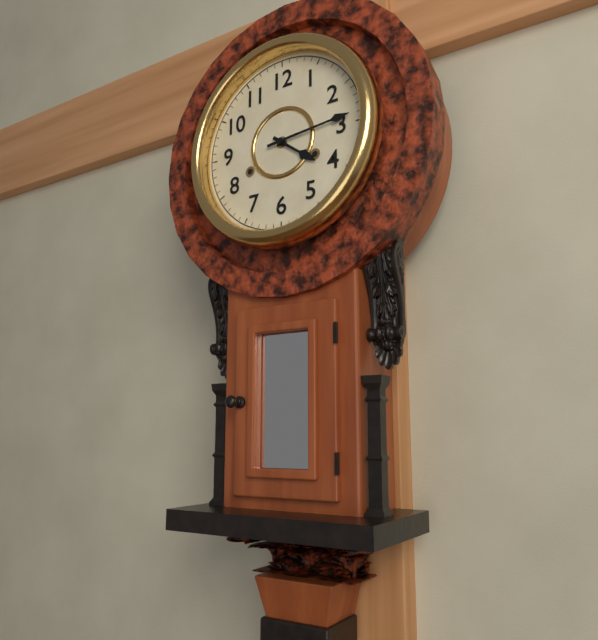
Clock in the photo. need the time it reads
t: 4:14
